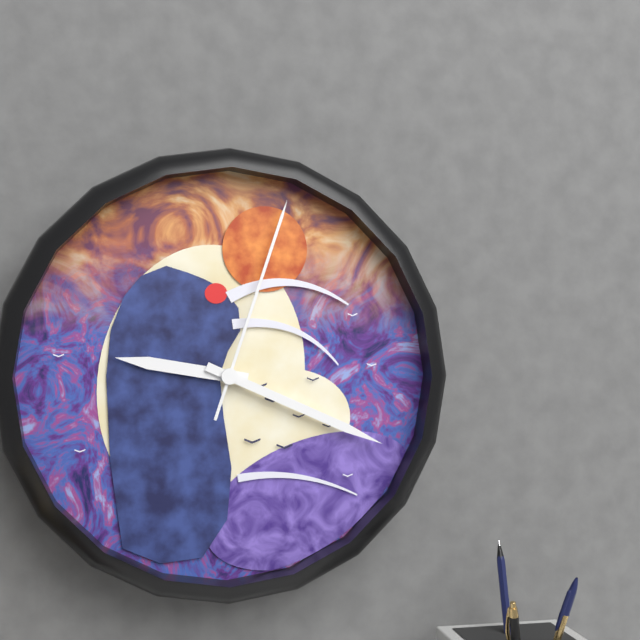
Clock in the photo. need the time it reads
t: 9:19:03
